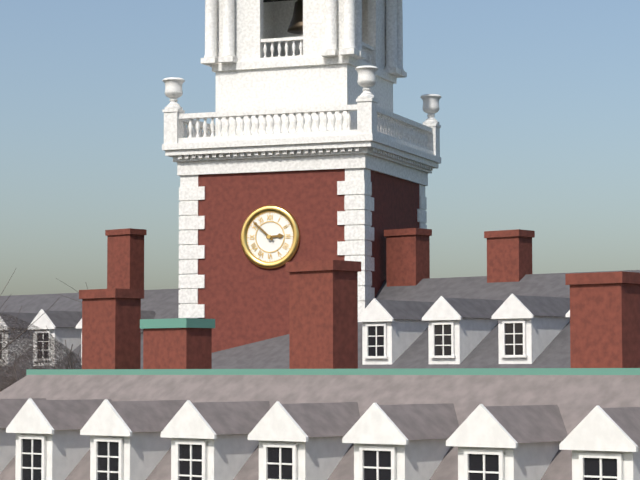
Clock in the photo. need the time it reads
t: 2:52
